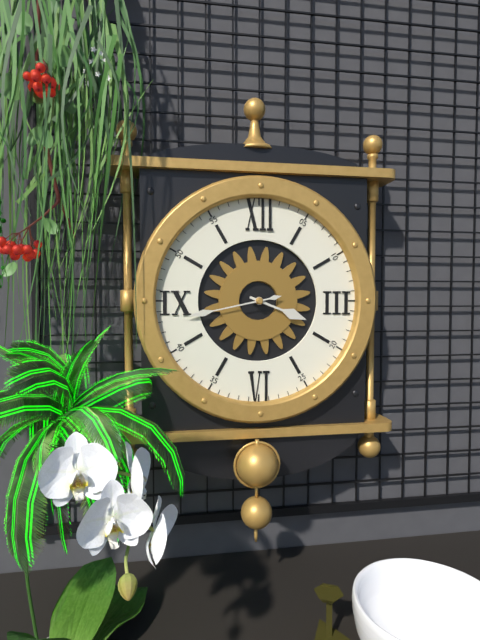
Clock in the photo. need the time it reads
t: 3:43
